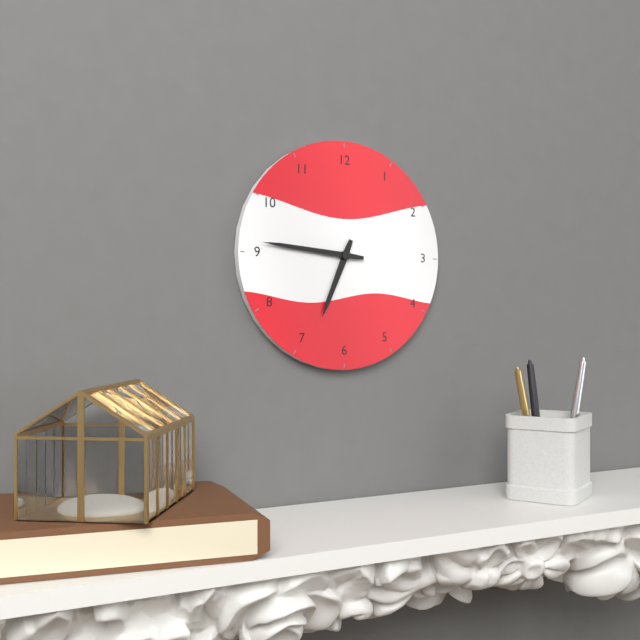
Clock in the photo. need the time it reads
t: 6:46
